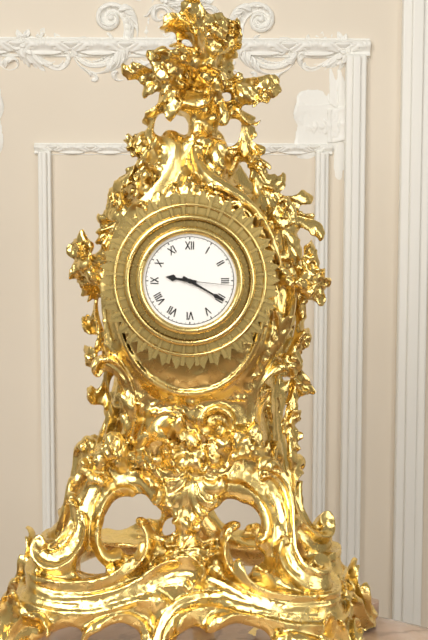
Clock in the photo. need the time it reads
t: 9:20:16
